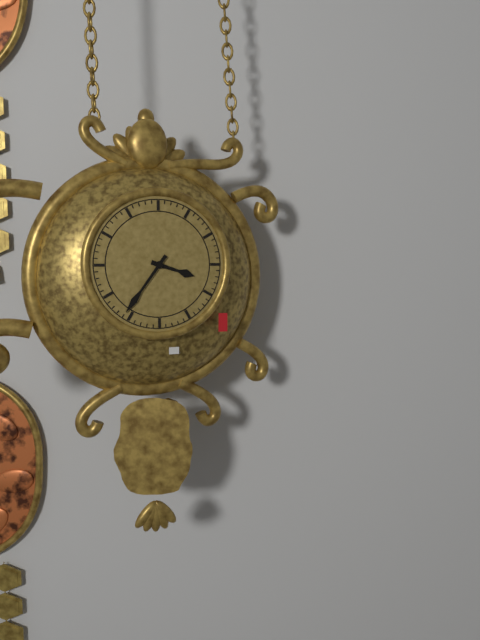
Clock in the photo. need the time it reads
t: 3:36
